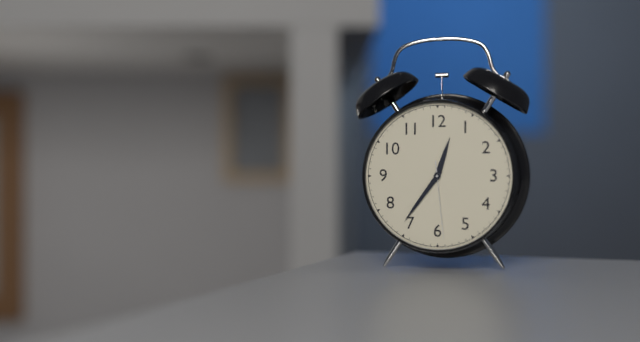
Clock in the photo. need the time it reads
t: 12:36:29
